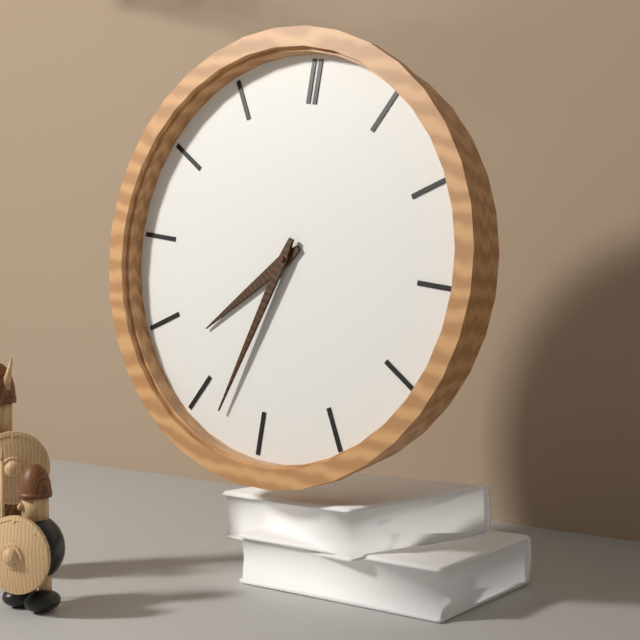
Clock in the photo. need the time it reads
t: 7:33
